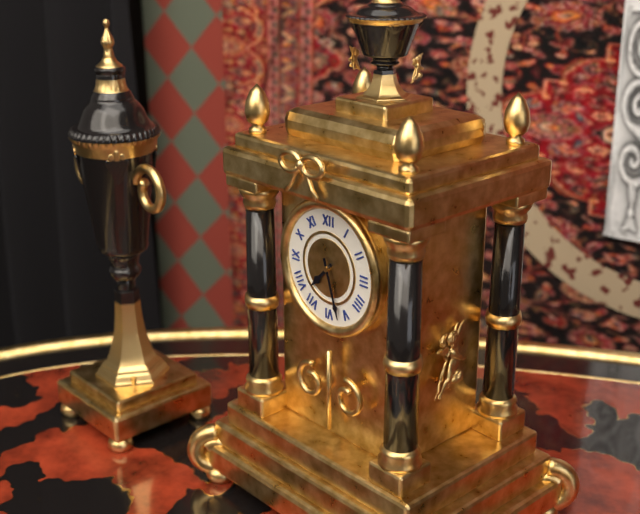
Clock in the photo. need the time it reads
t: 7:27
